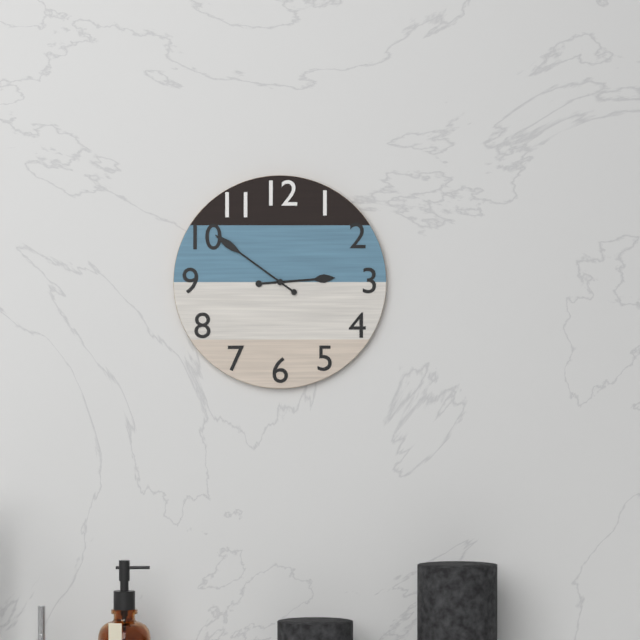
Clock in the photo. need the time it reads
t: 2:51
